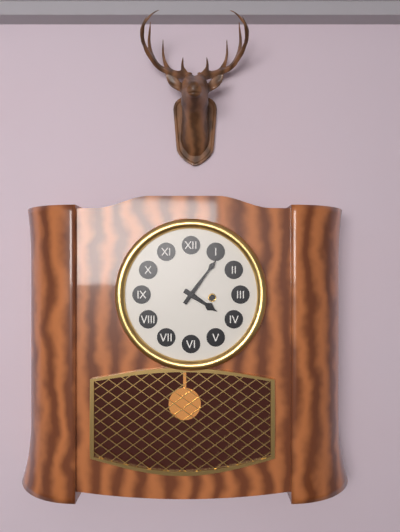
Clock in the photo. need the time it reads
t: 4:06
